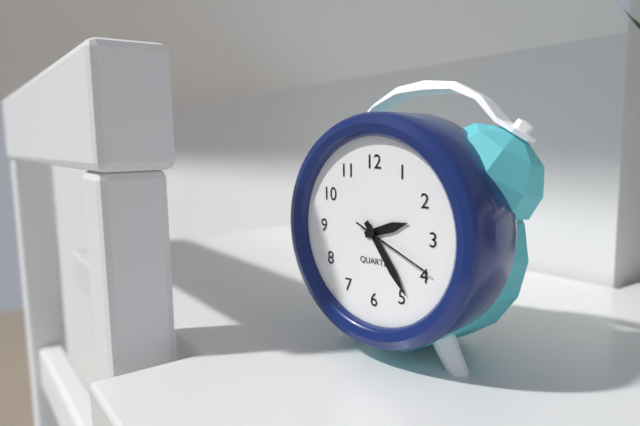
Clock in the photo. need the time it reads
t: 2:24:19
